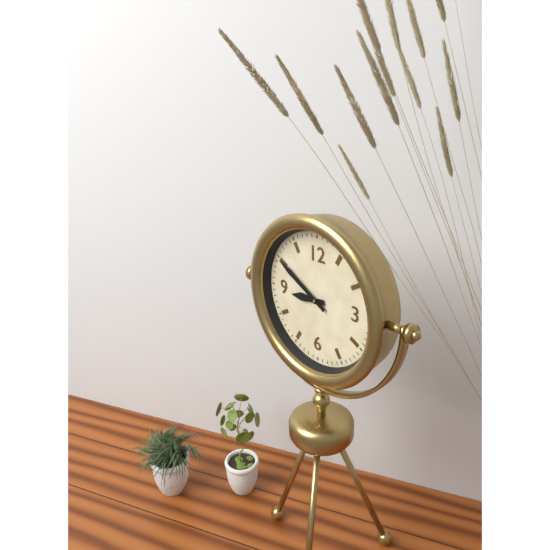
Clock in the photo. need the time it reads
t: 8:50
